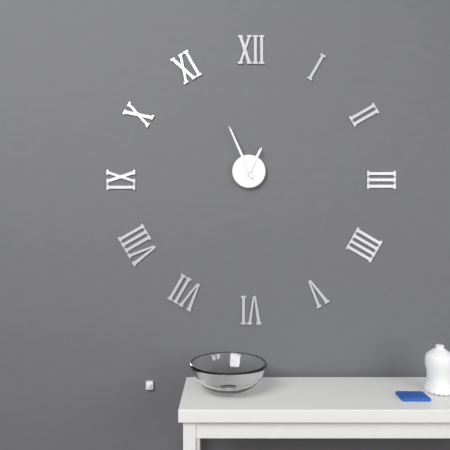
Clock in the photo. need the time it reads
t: 12:56
